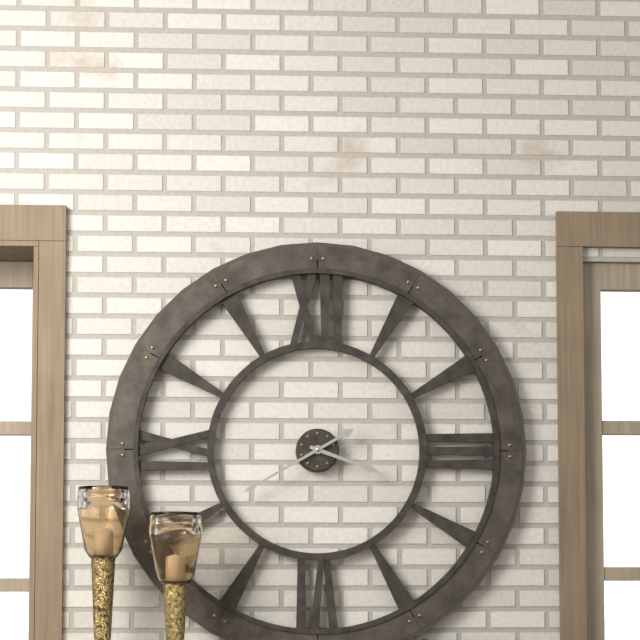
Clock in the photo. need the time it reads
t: 3:40
